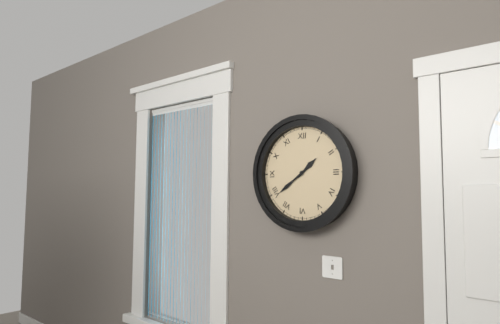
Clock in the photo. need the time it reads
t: 1:39
